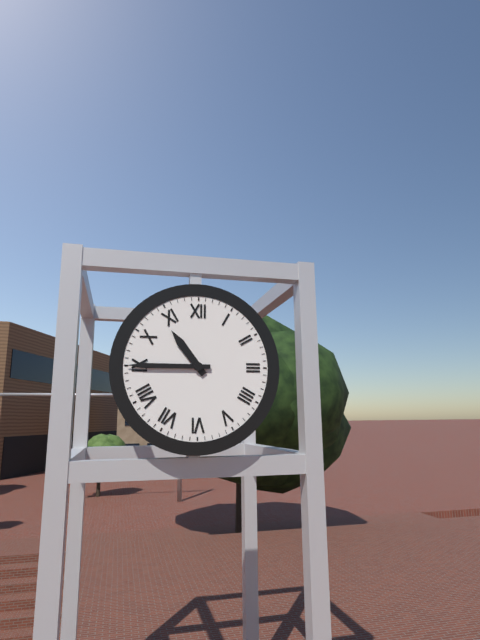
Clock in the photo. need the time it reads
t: 10:45
